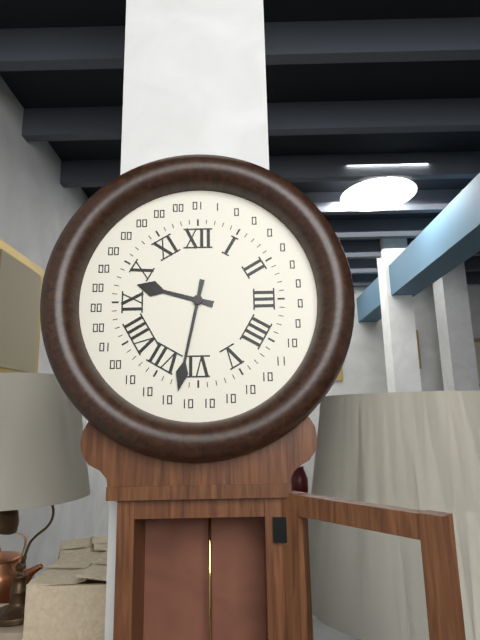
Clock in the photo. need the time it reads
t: 9:32
